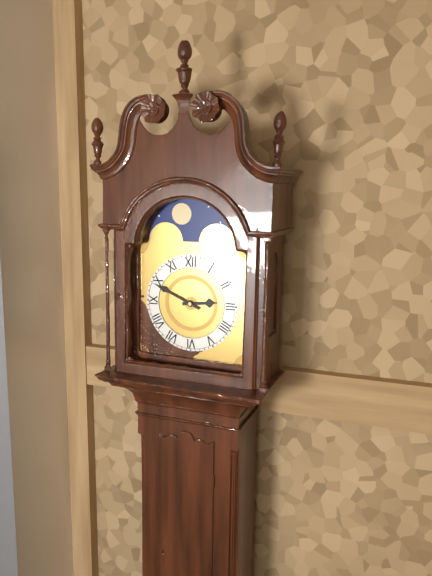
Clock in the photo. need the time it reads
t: 2:49
